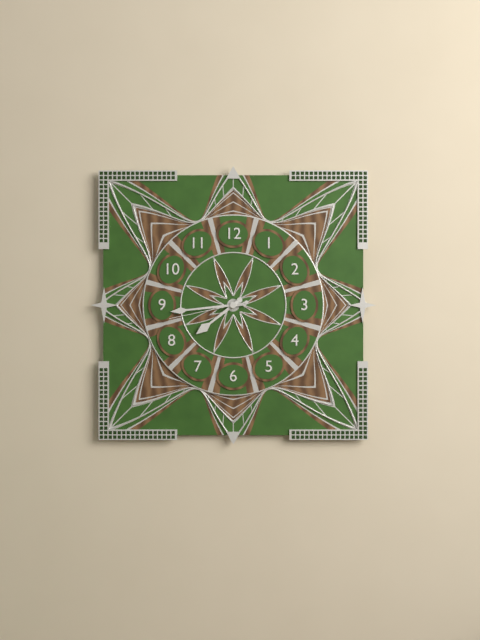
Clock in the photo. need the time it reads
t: 7:44:43
